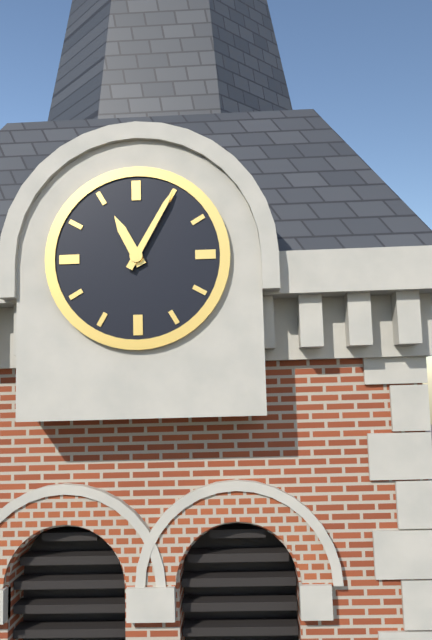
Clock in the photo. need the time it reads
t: 11:05
